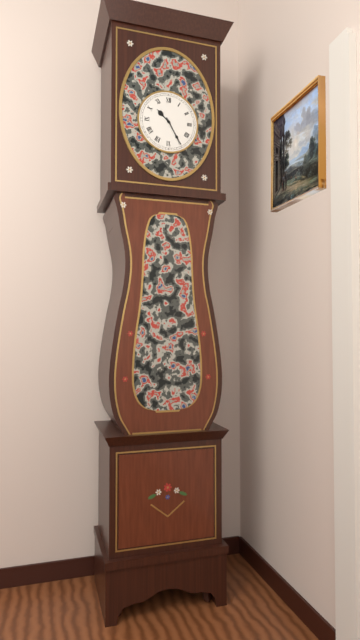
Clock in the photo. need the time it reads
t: 10:25
